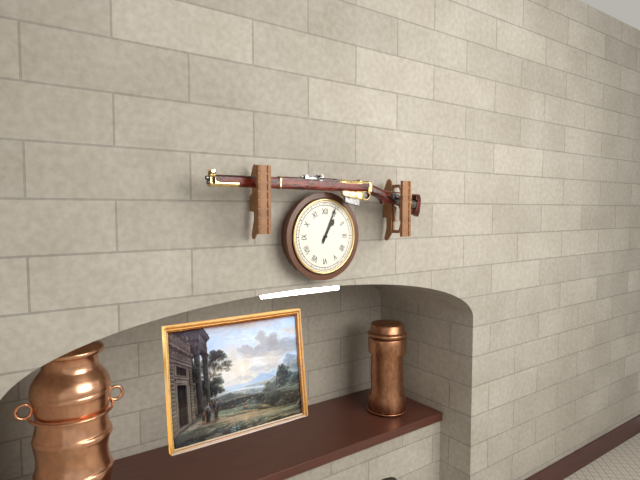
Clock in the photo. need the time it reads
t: 1:04
